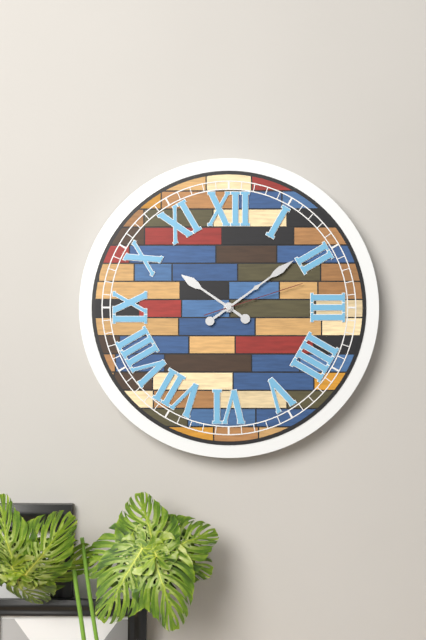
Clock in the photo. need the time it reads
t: 10:09:12
